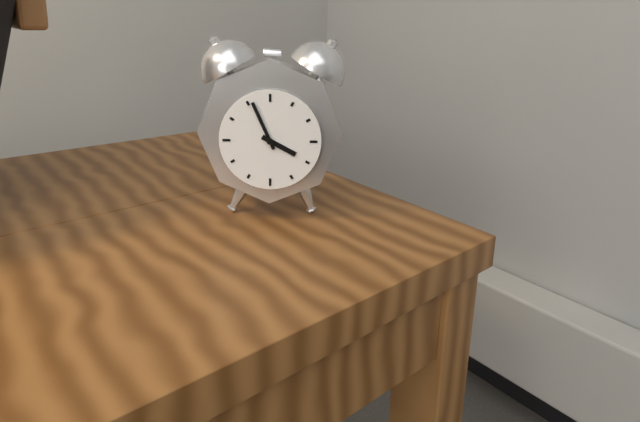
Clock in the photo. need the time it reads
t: 3:56
